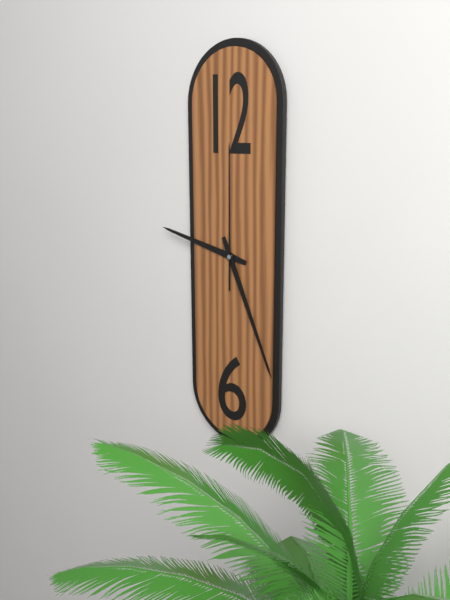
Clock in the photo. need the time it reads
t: 9:26:00
